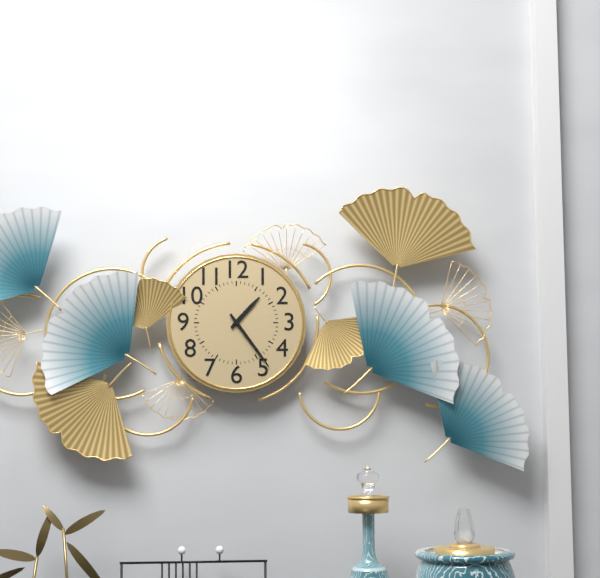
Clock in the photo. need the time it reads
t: 1:24
